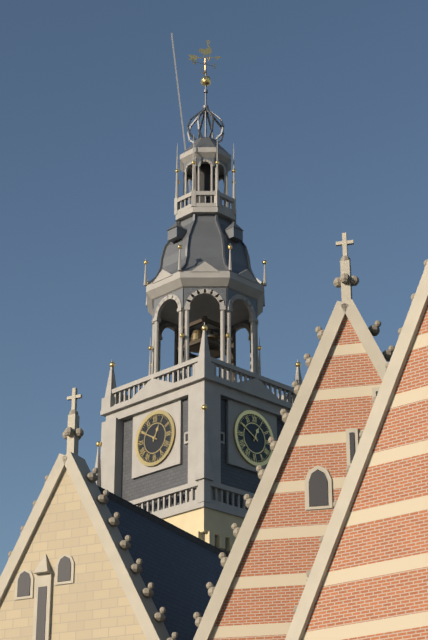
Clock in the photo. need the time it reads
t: 12:50
